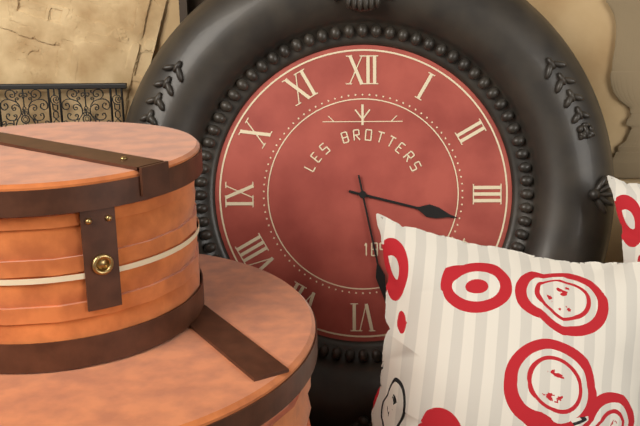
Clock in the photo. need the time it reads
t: 3:28
